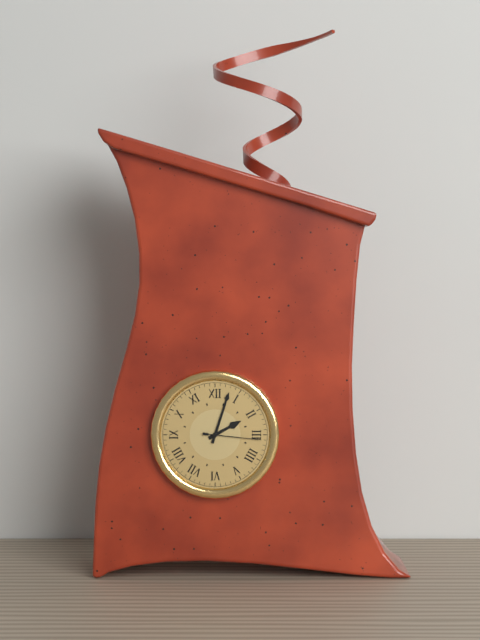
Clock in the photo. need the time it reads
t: 2:03:16
